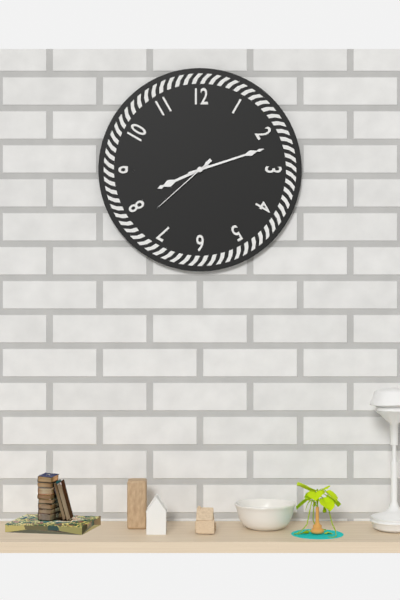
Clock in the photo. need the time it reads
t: 8:12:38
